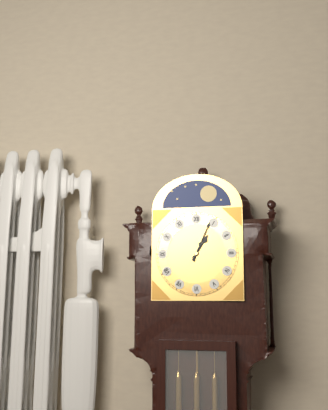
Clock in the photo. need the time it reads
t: 1:04
